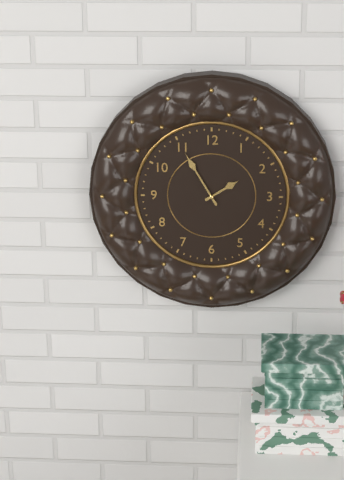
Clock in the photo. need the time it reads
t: 1:55
